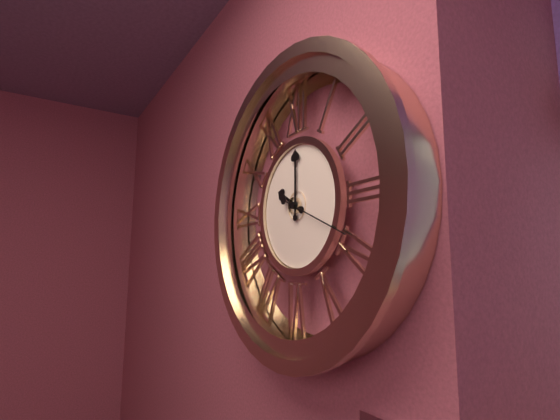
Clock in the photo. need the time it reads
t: 10:00:19
